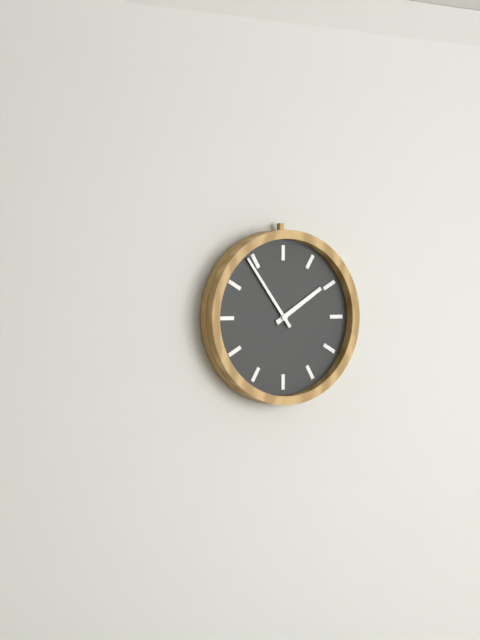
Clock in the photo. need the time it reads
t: 1:54
